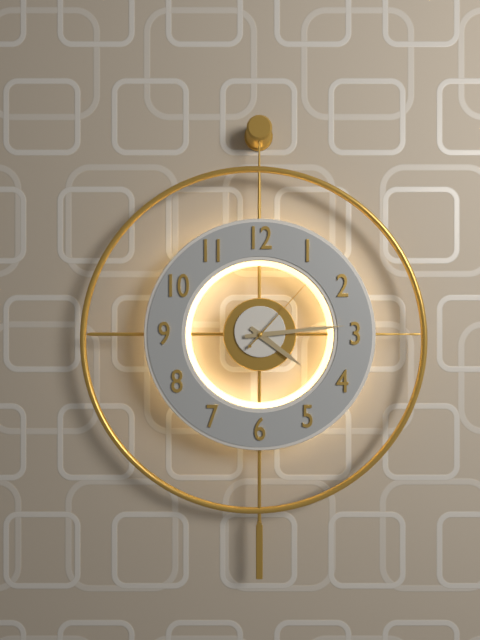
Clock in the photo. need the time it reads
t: 4:14:07
